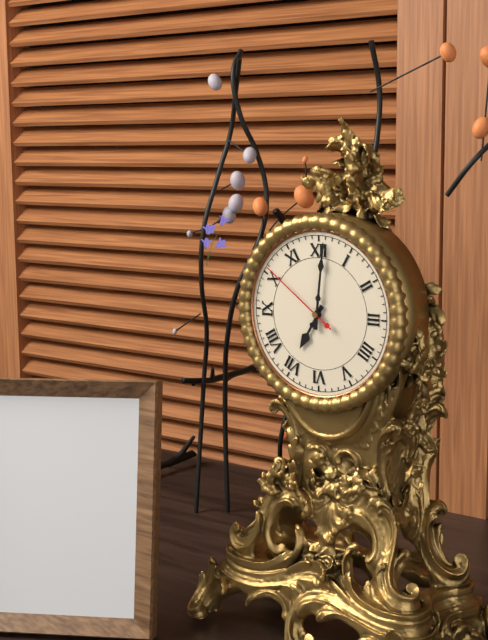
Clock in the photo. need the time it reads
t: 7:01:51
